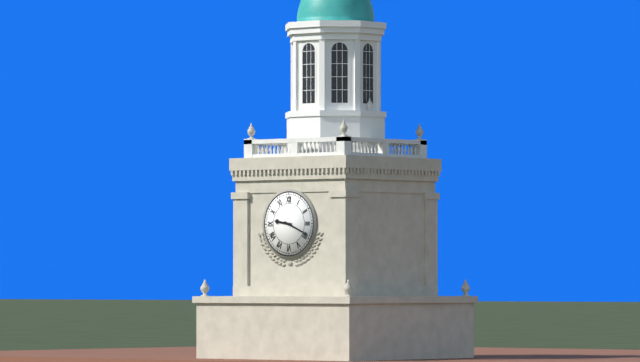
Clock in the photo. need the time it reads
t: 9:19
